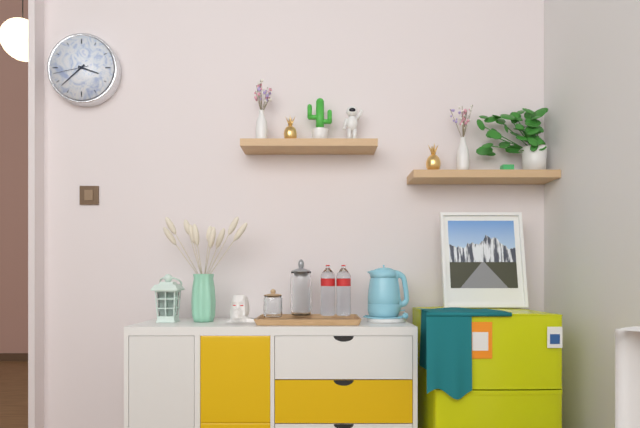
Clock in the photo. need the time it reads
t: 3:38
